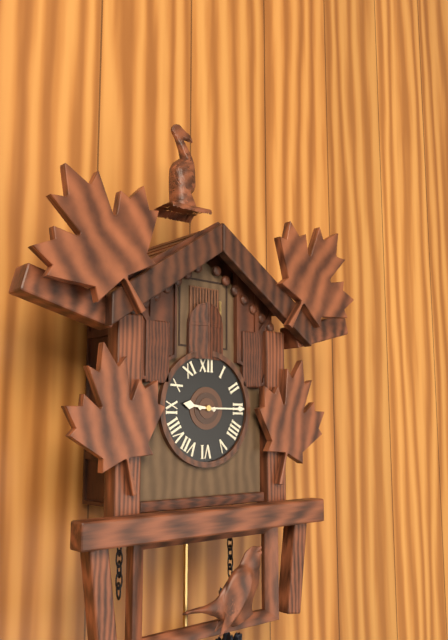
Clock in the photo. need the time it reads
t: 9:15
